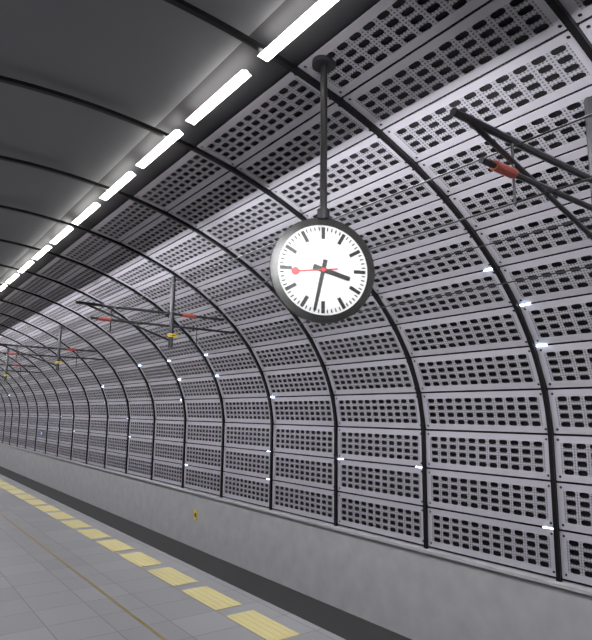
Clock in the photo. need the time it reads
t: 3:32
